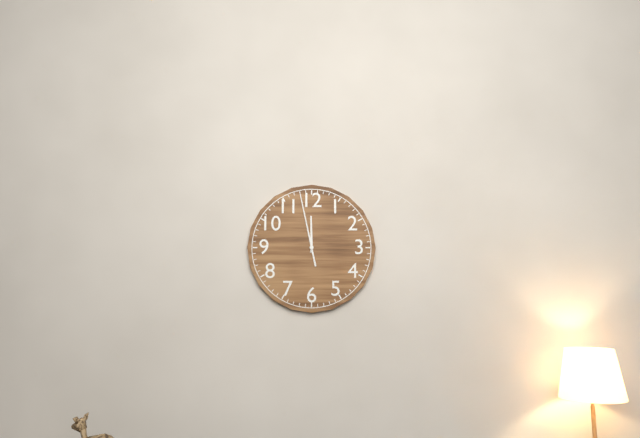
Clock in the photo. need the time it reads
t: 11:58
